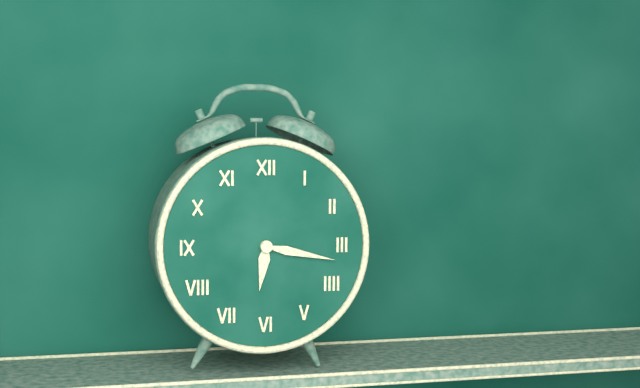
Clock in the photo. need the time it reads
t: 6:17
